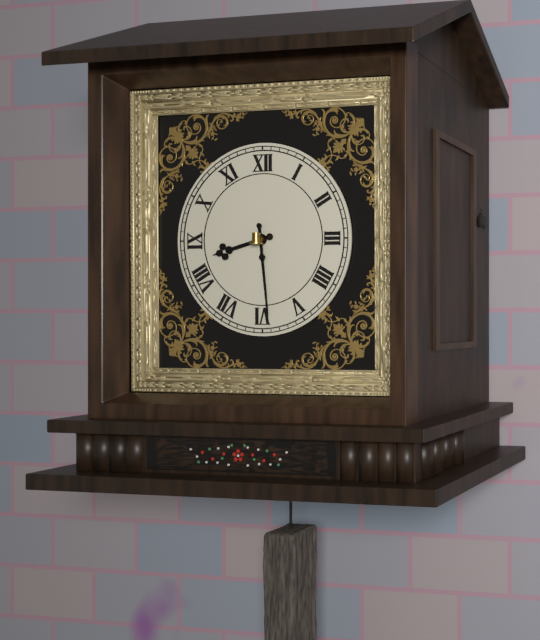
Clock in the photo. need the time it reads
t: 8:29
